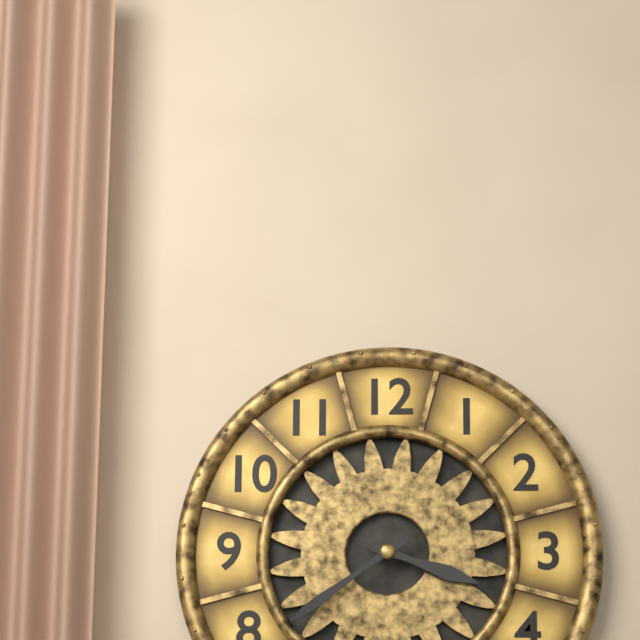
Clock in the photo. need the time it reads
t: 3:39
